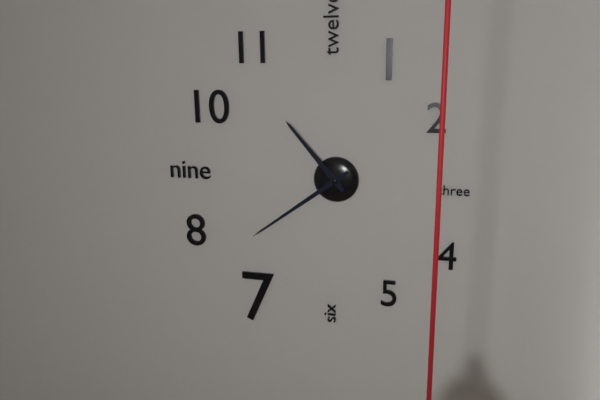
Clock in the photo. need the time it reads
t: 10:39
